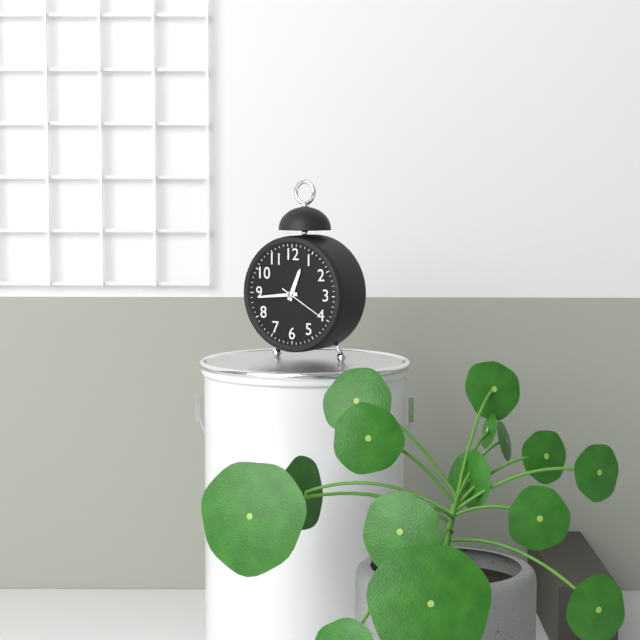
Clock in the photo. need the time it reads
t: 12:44
